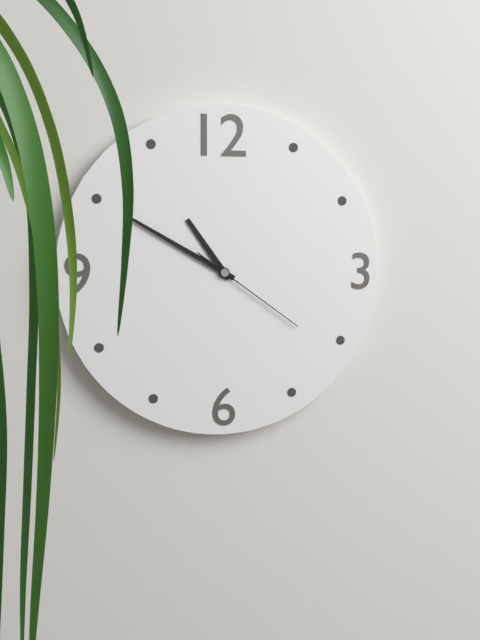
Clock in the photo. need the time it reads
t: 10:50:21
